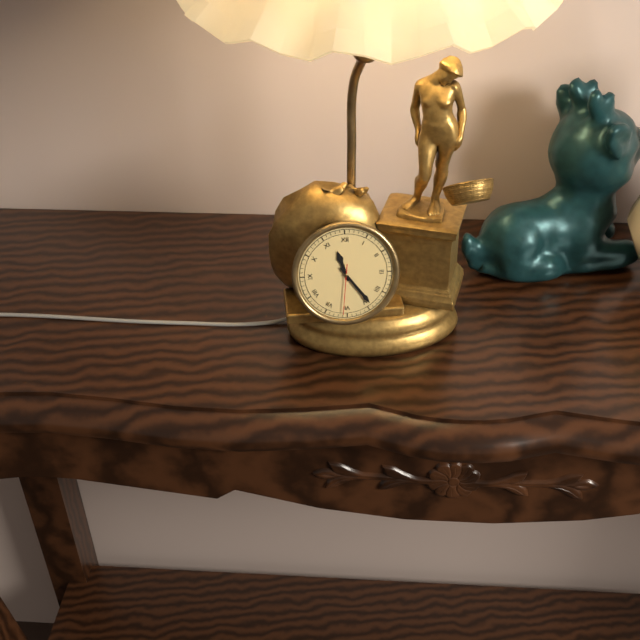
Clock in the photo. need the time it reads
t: 11:24:31
